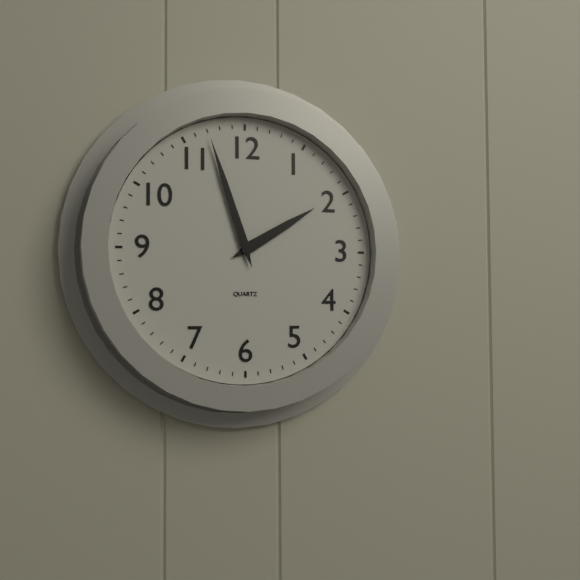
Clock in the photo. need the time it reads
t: 1:57
